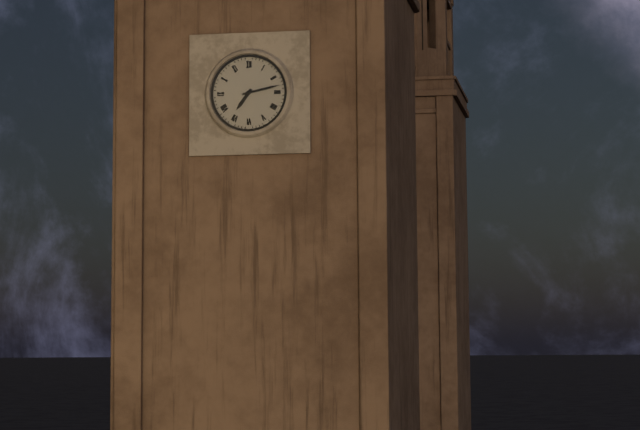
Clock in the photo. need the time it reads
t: 7:13
